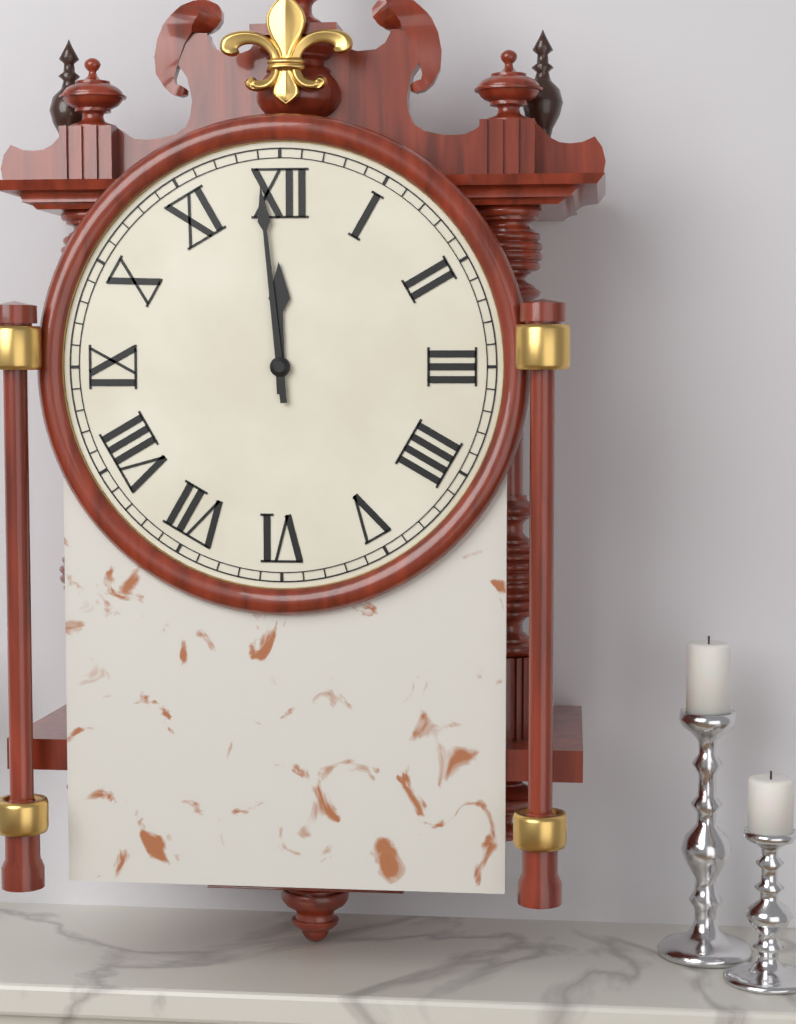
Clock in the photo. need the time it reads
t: 11:59
